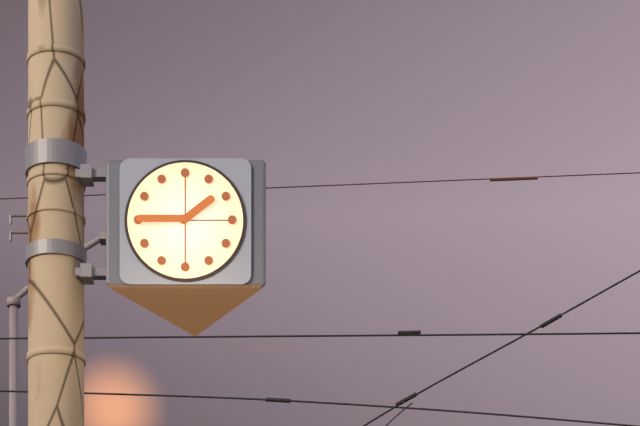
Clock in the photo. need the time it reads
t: 1:45
